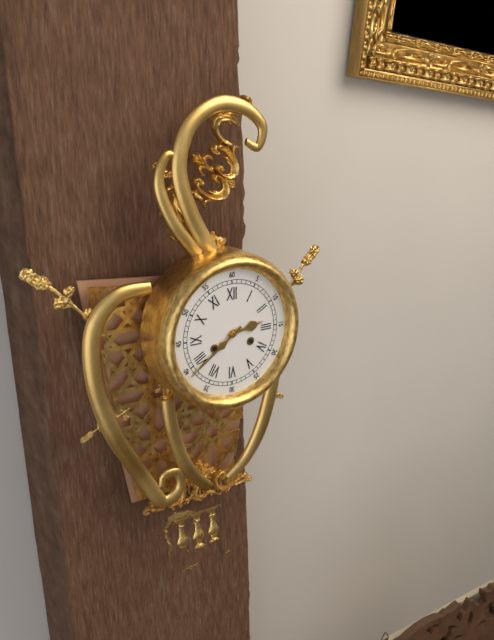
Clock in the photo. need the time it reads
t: 2:39
